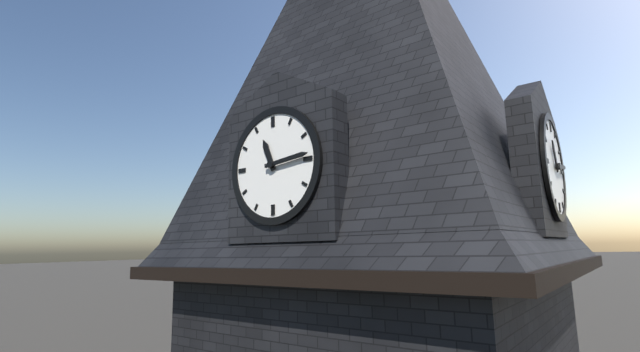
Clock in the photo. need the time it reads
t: 11:14
